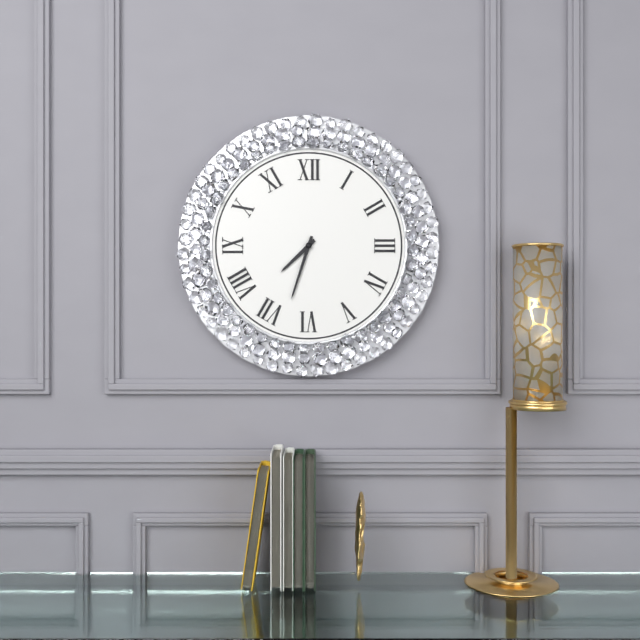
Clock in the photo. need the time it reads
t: 7:33
